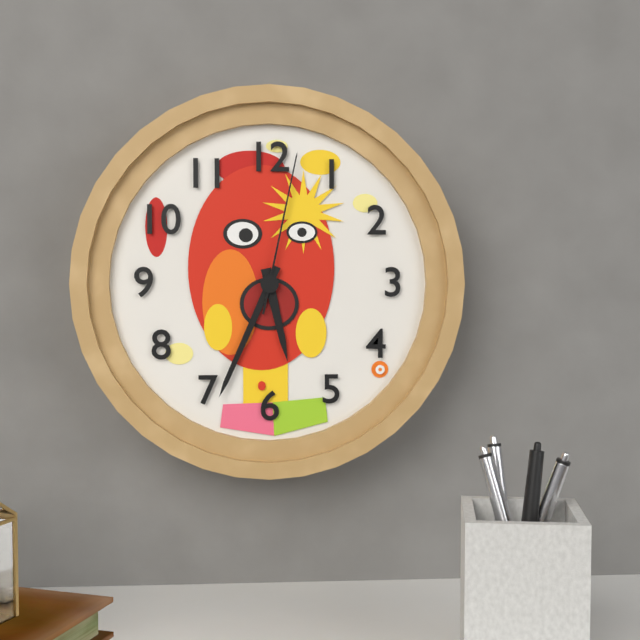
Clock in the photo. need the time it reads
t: 5:34:02
